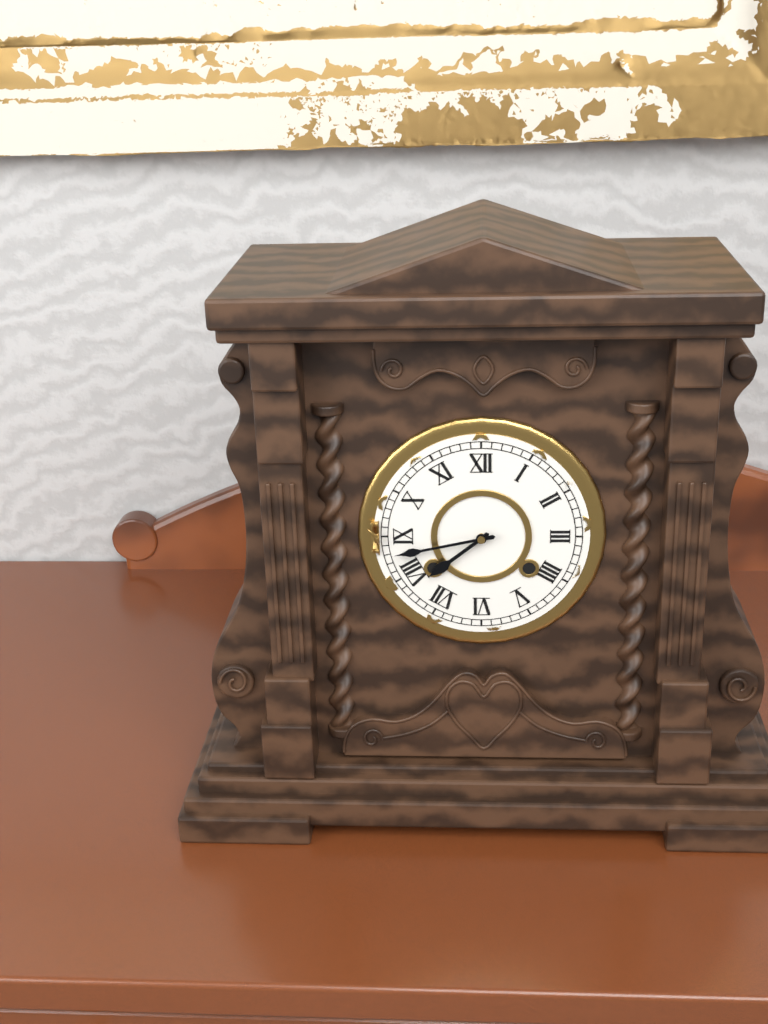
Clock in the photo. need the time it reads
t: 7:43
